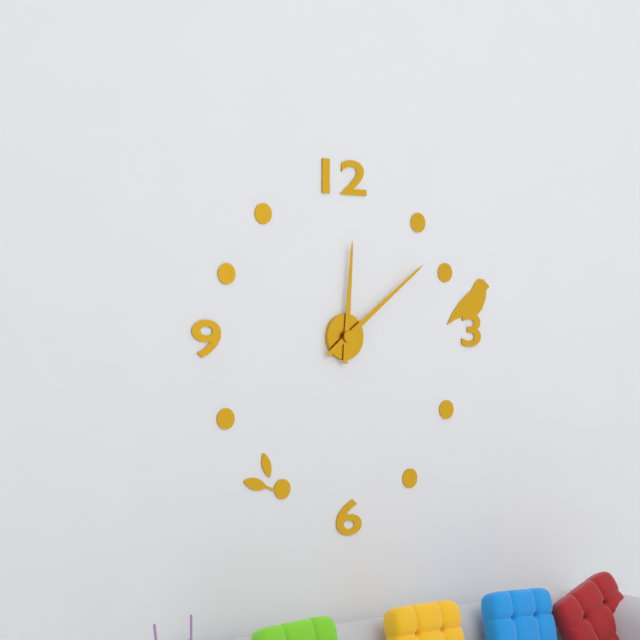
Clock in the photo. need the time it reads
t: 12:09
